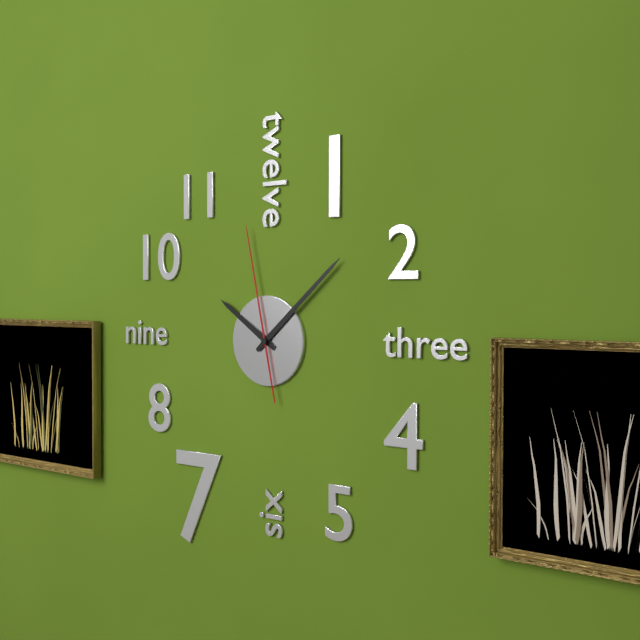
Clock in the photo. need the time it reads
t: 10:08:58
